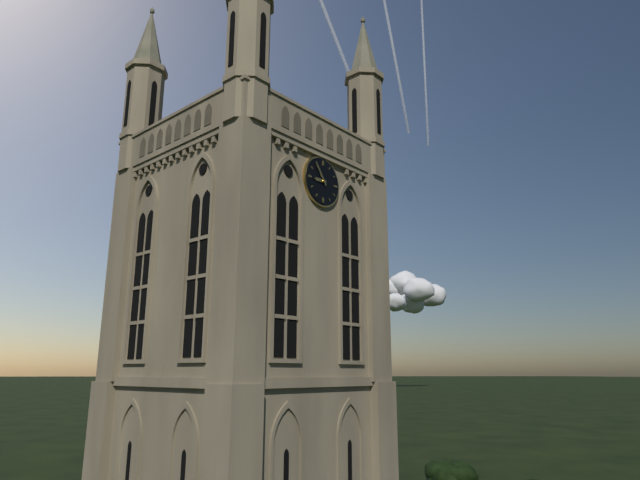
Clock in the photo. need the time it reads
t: 8:54
